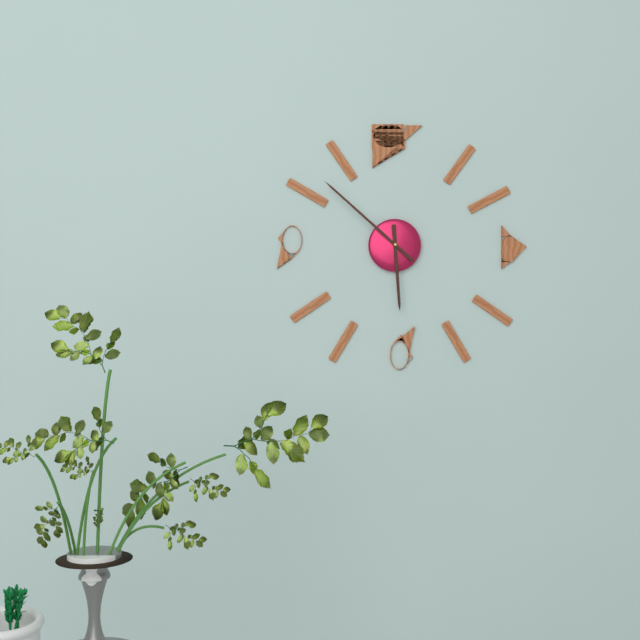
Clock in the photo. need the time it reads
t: 5:52
